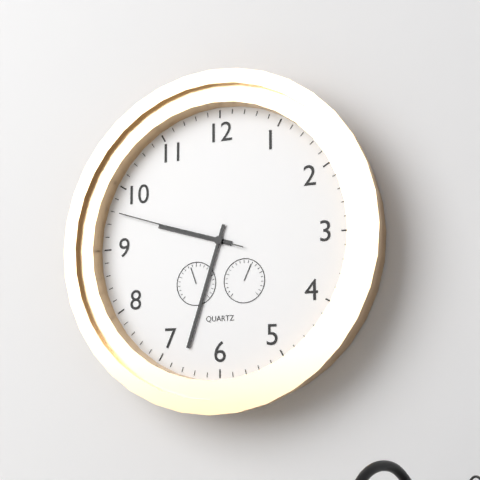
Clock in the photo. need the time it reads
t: 9:33:48
